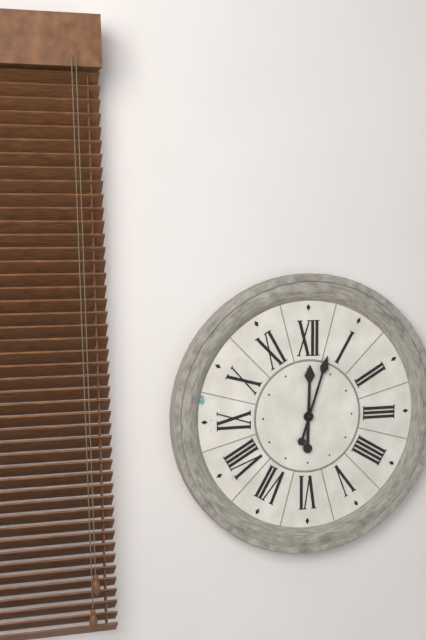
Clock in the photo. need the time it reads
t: 12:03
